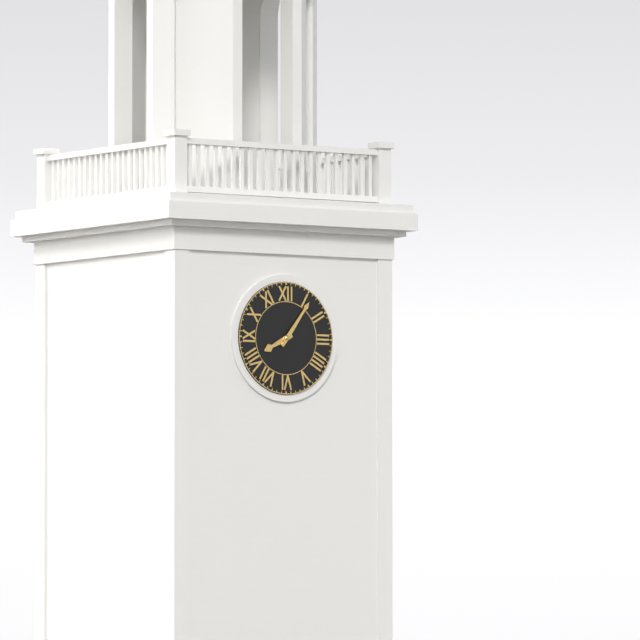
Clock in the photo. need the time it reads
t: 8:06
